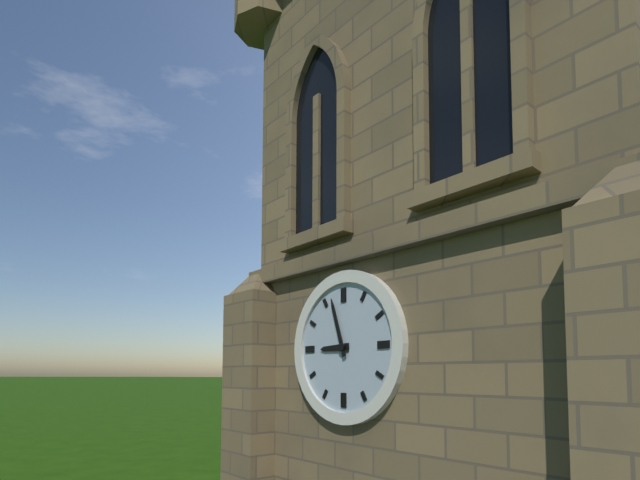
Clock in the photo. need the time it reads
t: 8:57
